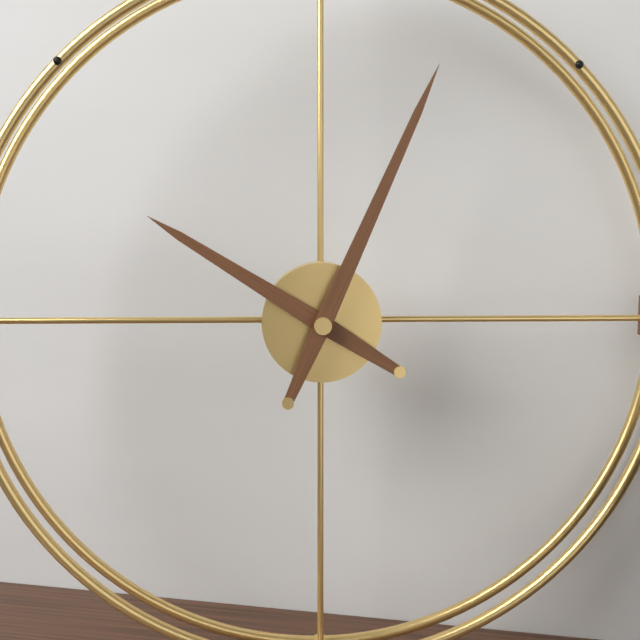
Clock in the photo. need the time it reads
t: 10:04
